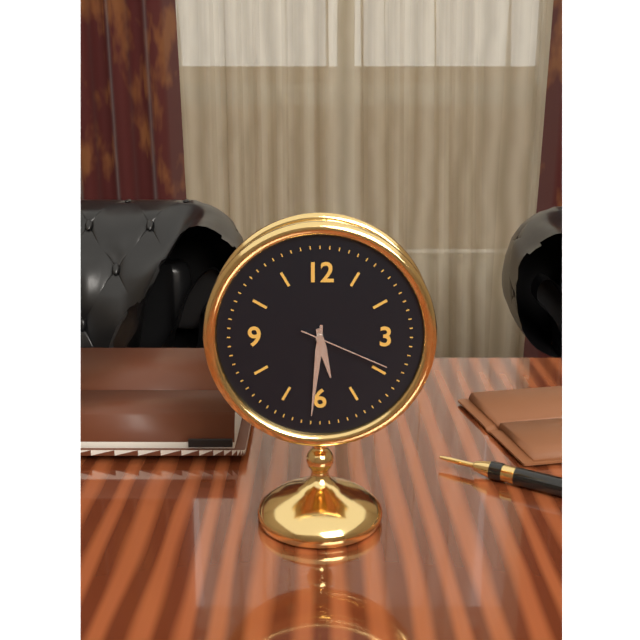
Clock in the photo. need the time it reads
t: 5:31:19
